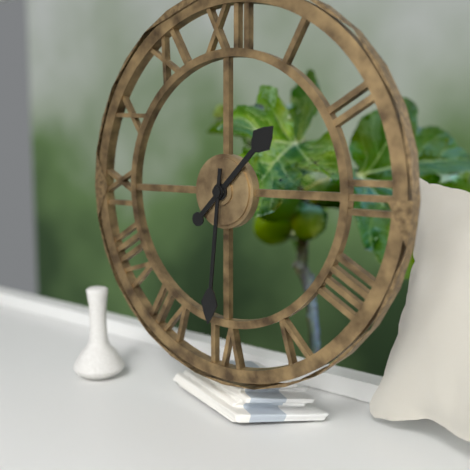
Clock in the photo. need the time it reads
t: 1:31
